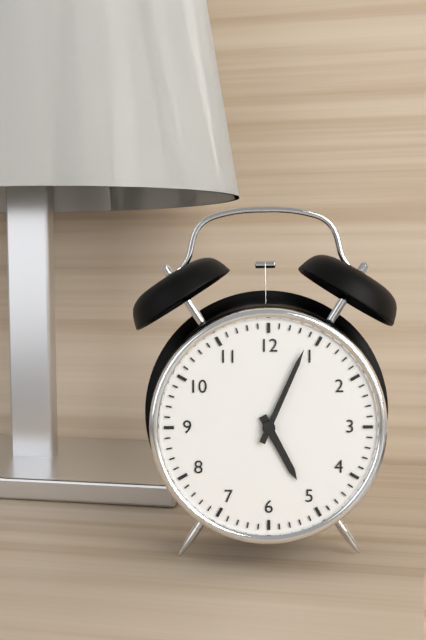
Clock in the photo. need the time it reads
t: 5:04
